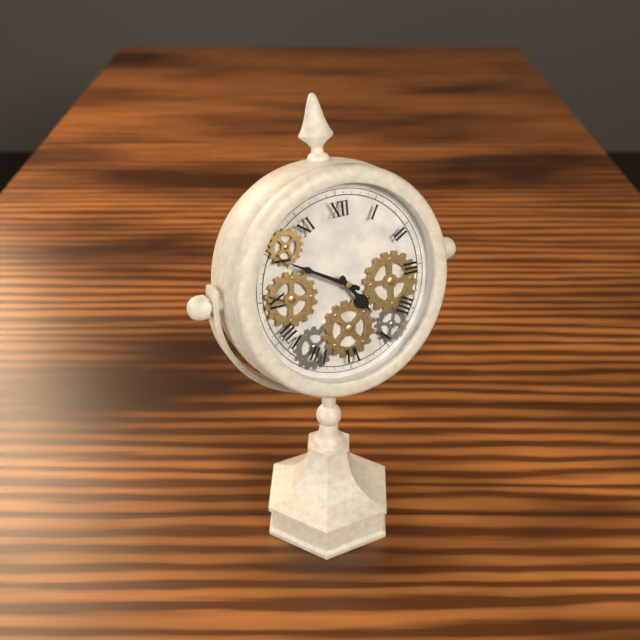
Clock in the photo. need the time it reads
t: 4:50
